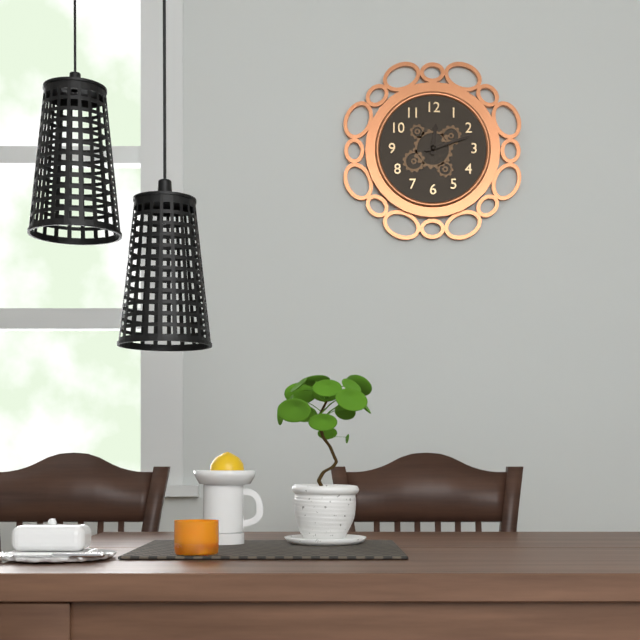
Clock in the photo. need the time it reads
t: 12:12
